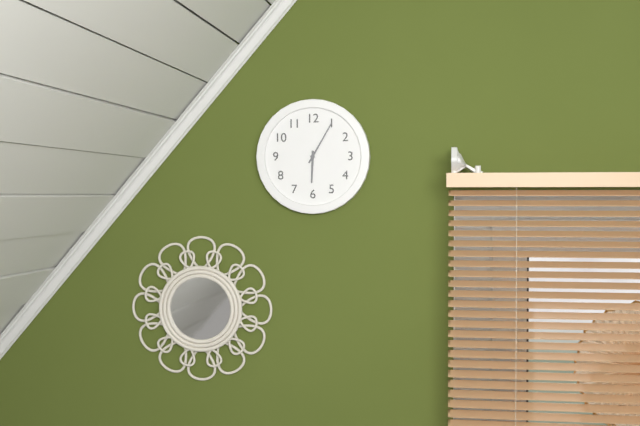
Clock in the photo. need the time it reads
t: 6:05
